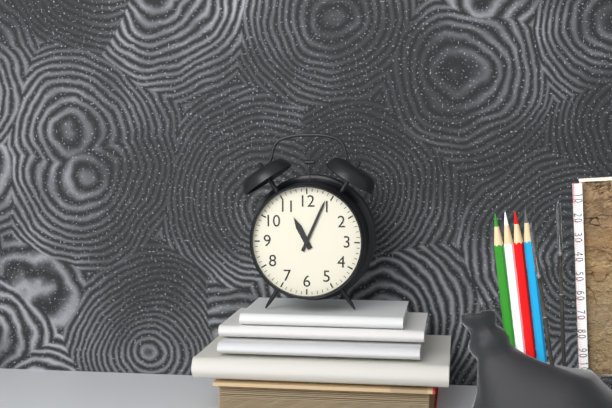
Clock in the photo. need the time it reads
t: 11:04
